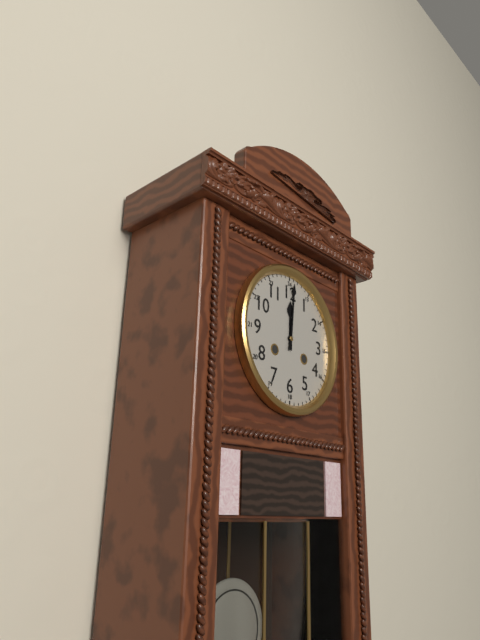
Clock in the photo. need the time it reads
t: 12:01
